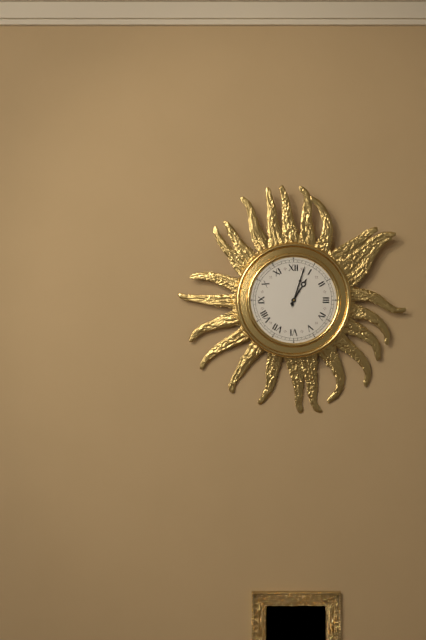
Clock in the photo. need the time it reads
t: 1:03
